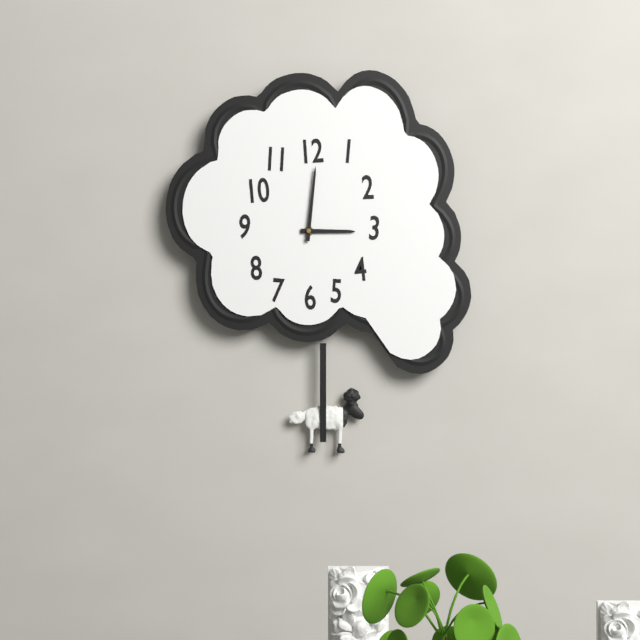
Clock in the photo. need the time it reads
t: 3:01
